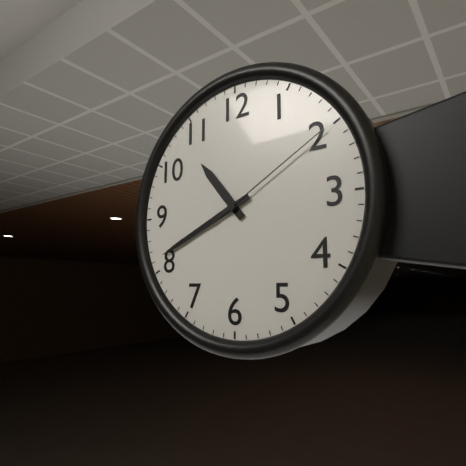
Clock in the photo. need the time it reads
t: 10:41:10
